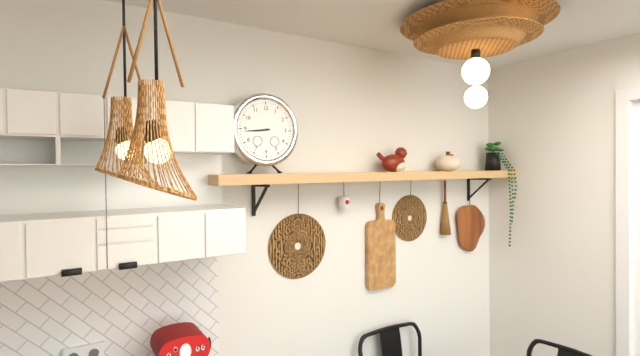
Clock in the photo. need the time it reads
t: 8:44
